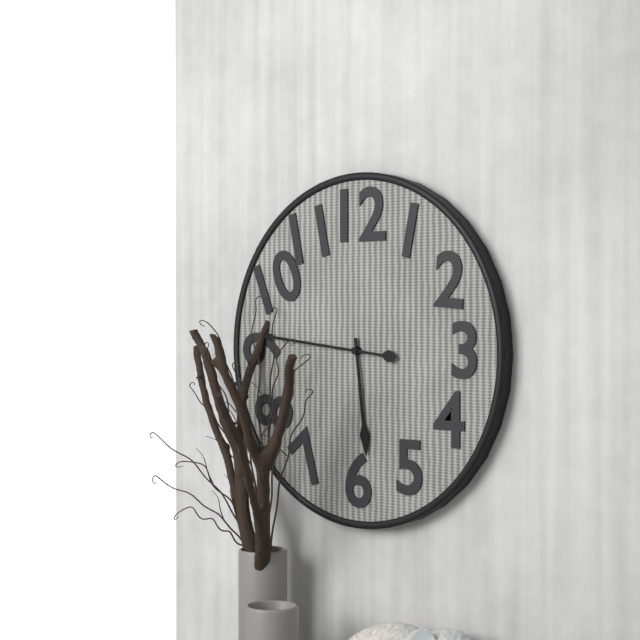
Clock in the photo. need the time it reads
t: 5:46
